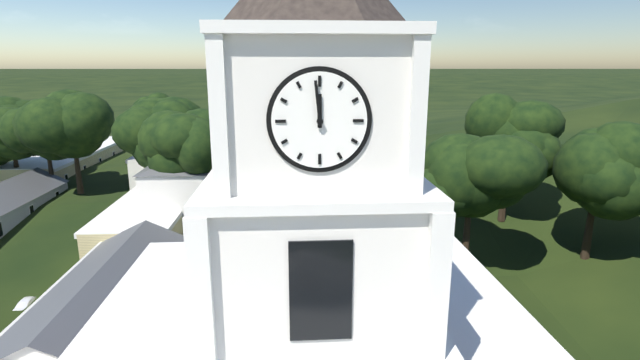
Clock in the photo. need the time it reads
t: 11:59
